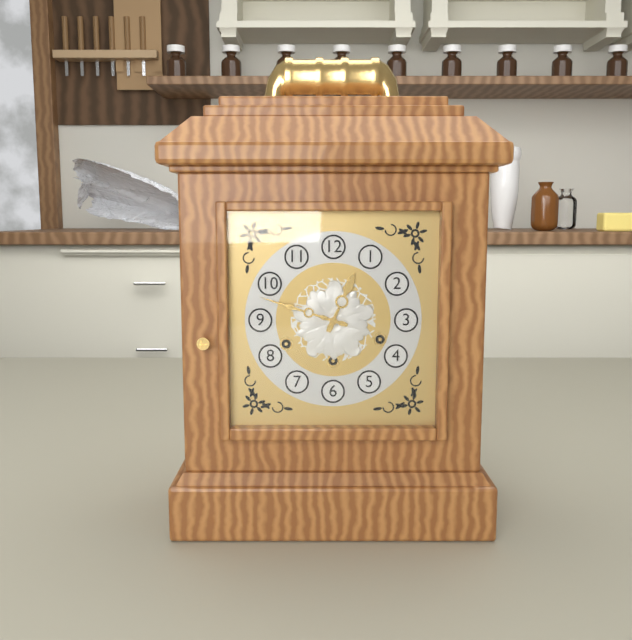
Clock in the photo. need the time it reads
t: 12:48
